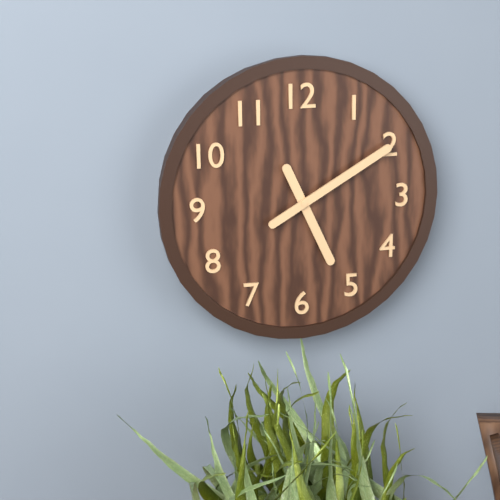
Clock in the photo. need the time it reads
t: 5:10
